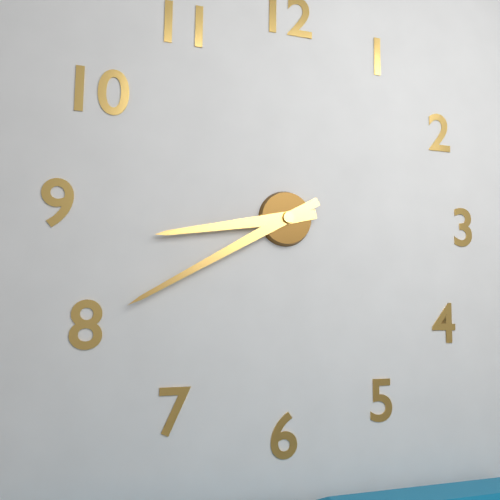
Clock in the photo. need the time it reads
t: 8:40
